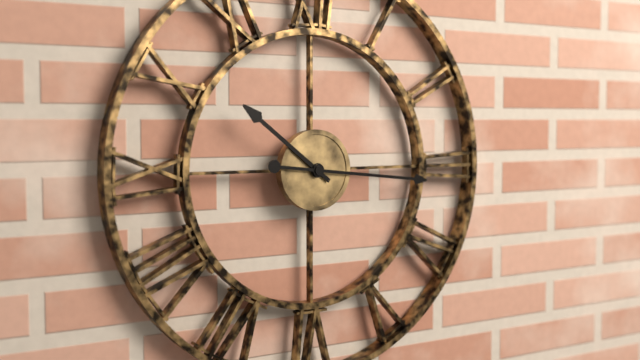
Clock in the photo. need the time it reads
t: 10:16
